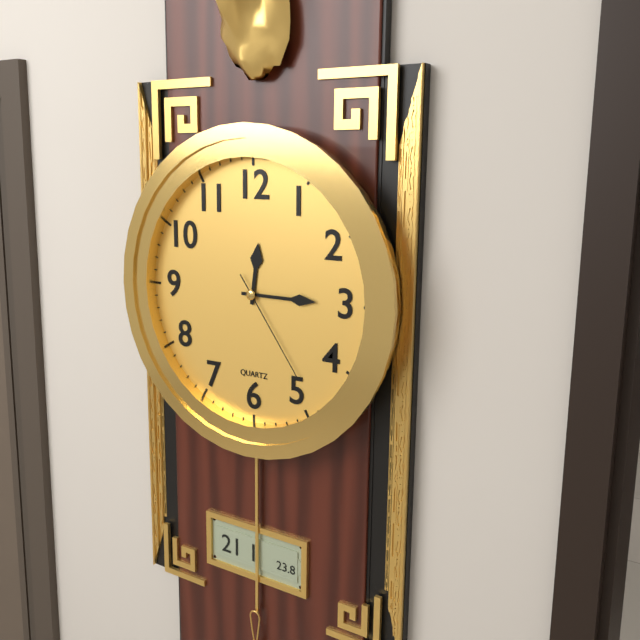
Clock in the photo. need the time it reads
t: 12:15:24
